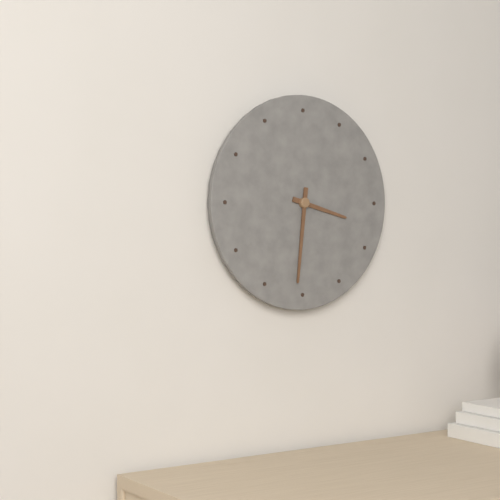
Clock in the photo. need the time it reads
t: 3:31
